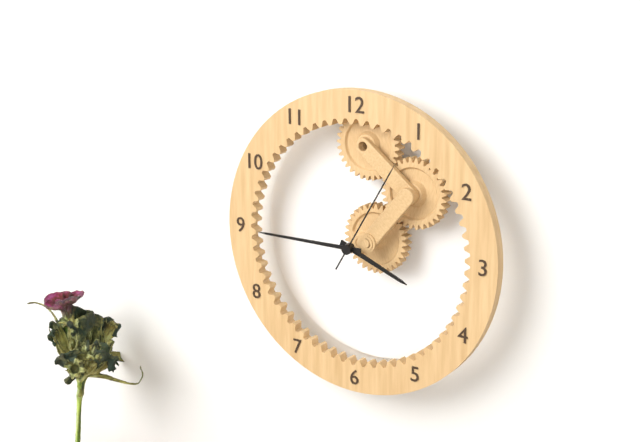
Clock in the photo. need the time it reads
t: 3:45:05
